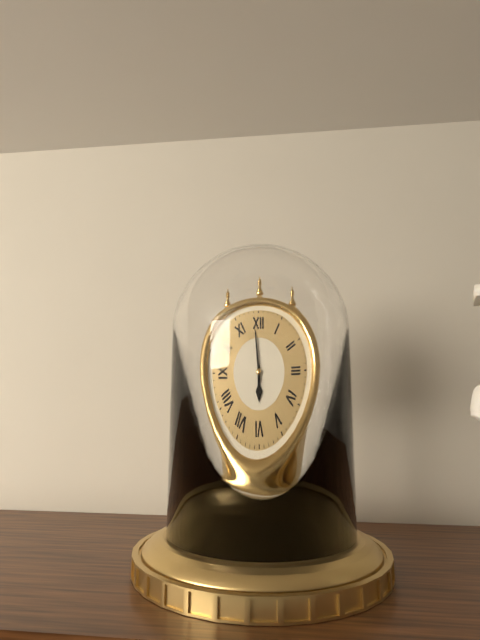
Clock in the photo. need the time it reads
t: 5:59
